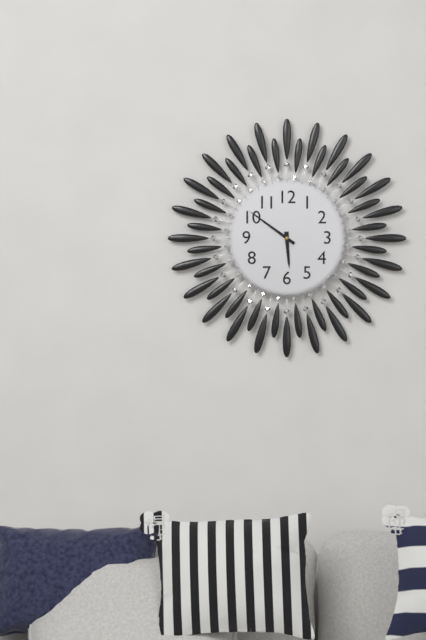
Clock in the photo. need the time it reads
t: 5:51
